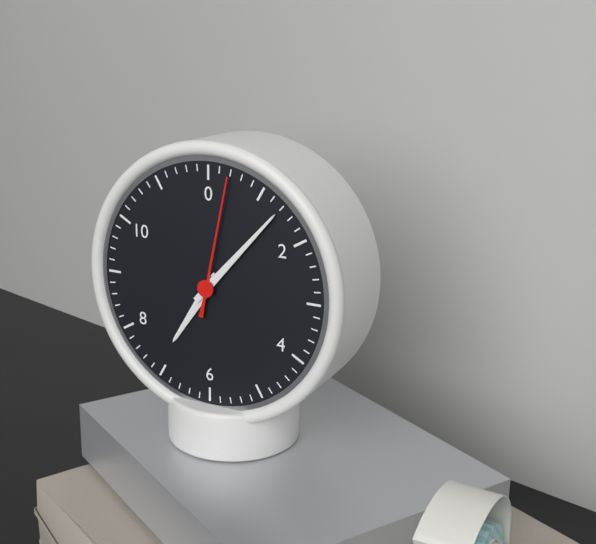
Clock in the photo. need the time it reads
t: 7:07:02
